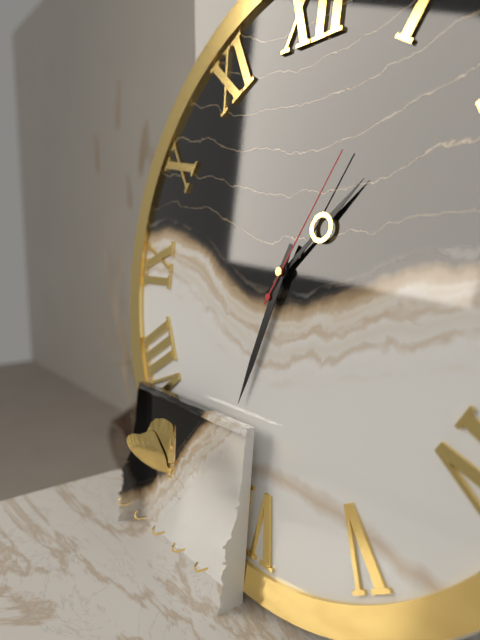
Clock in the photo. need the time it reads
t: 1:33:05
